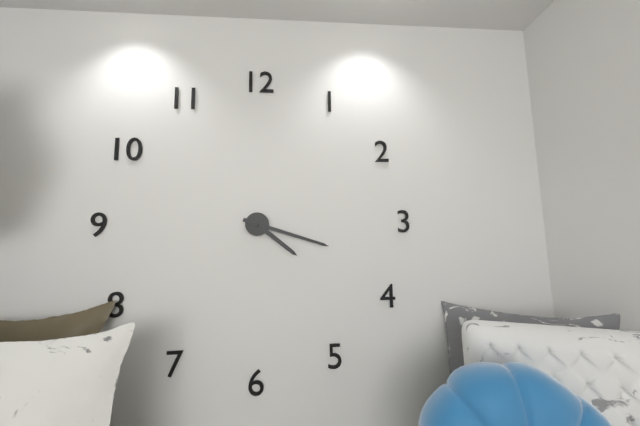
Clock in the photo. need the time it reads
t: 4:18
